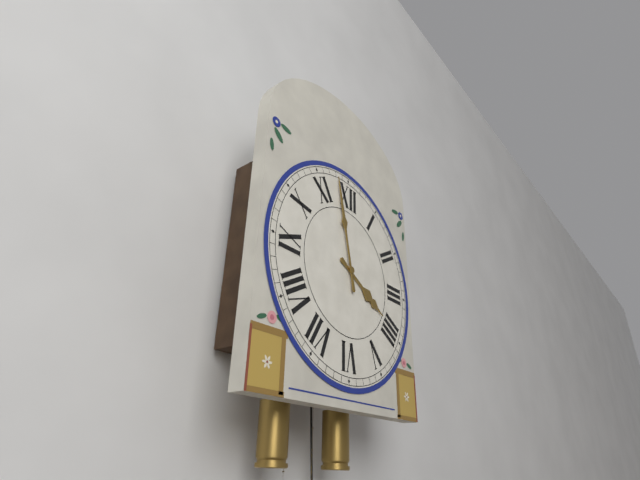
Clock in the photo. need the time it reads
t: 3:58
